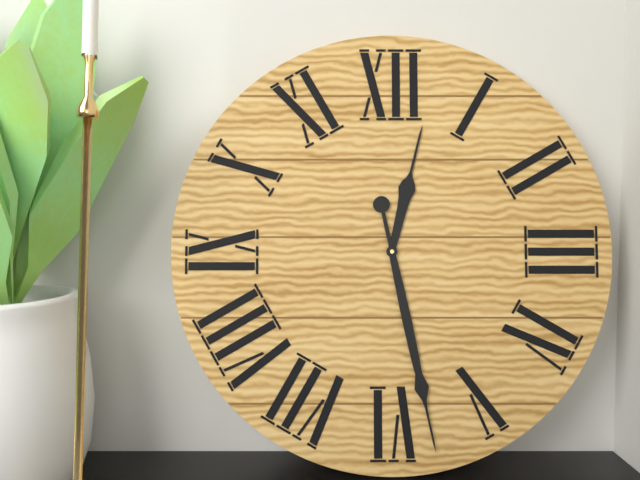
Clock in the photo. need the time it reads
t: 12:28
